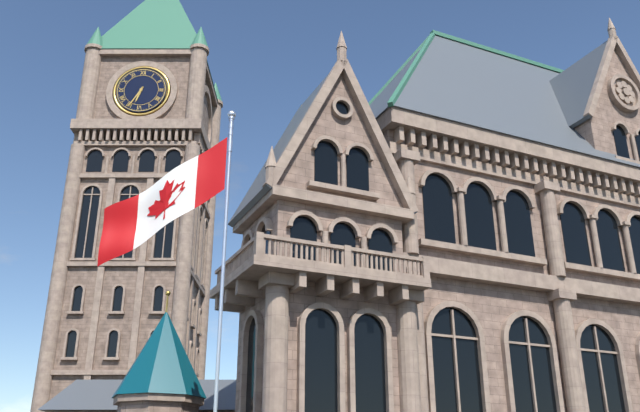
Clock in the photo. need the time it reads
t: 6:35
